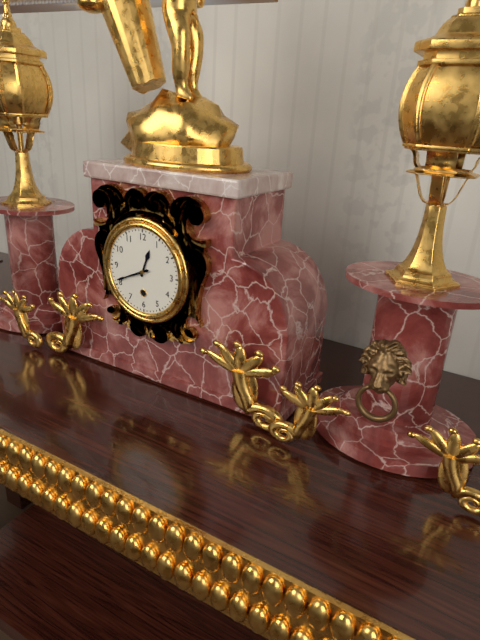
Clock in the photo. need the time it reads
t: 12:41
